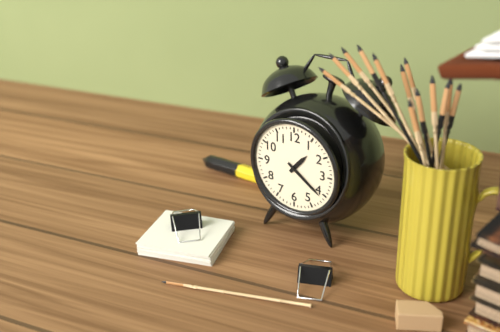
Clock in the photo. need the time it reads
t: 1:21
